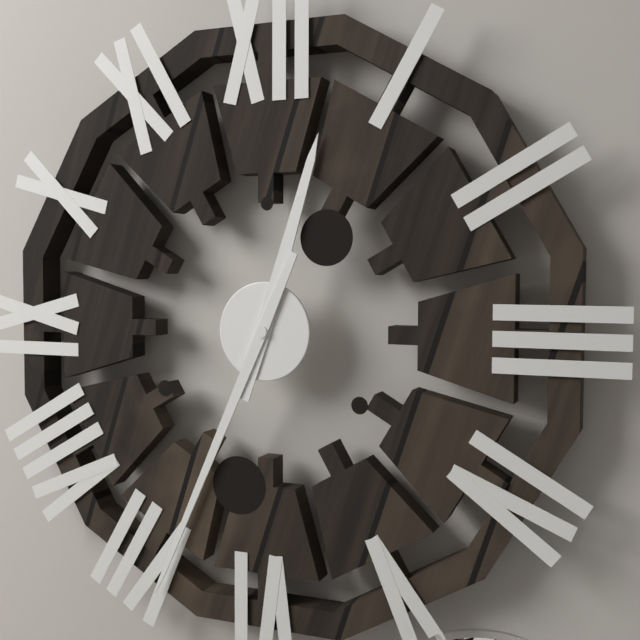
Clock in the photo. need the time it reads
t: 12:34
